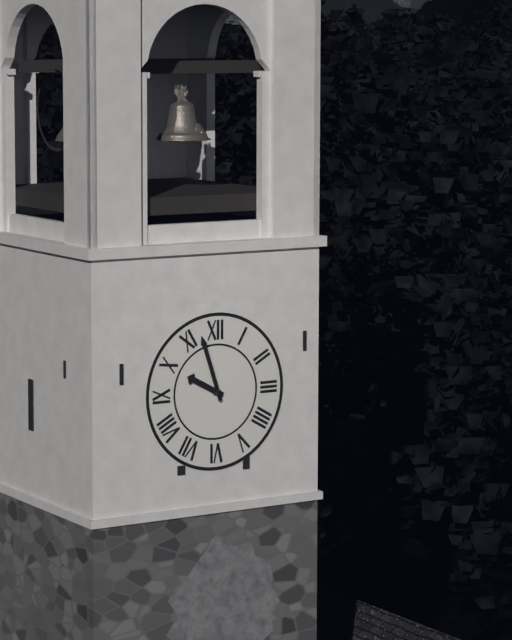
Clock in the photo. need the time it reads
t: 9:57
